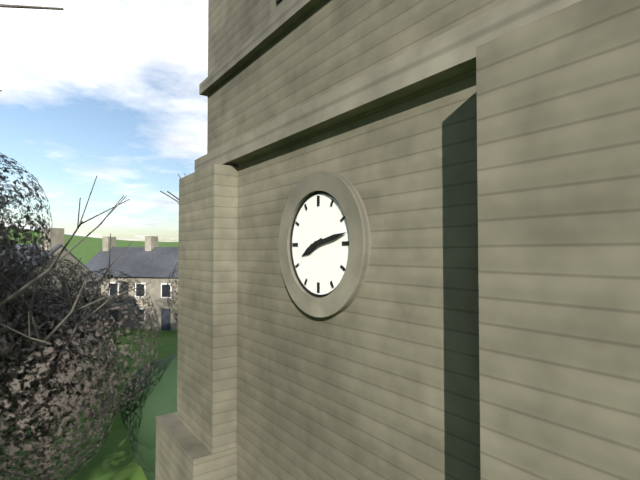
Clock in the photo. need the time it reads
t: 8:13
